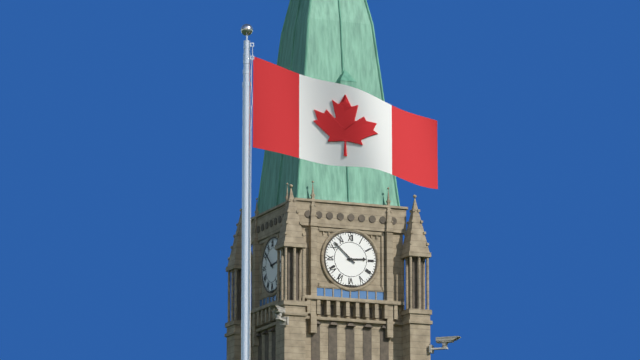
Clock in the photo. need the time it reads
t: 2:52
